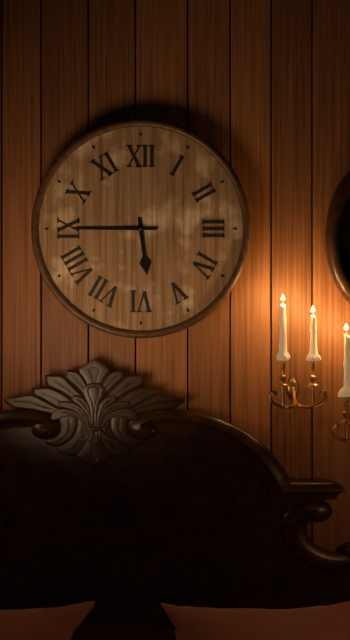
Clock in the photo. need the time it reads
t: 5:45
